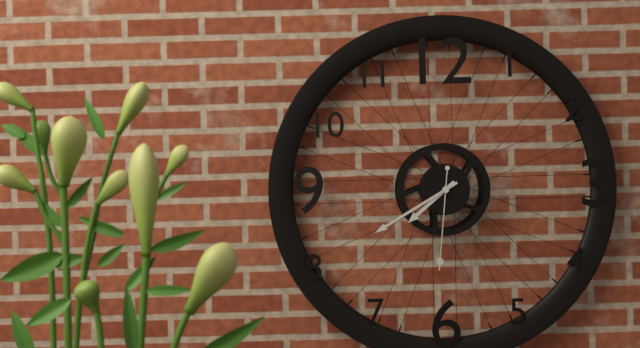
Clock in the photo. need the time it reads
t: 7:40:31
